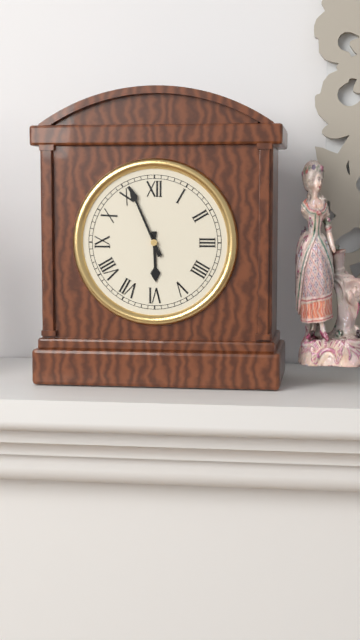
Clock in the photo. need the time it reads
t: 5:56
